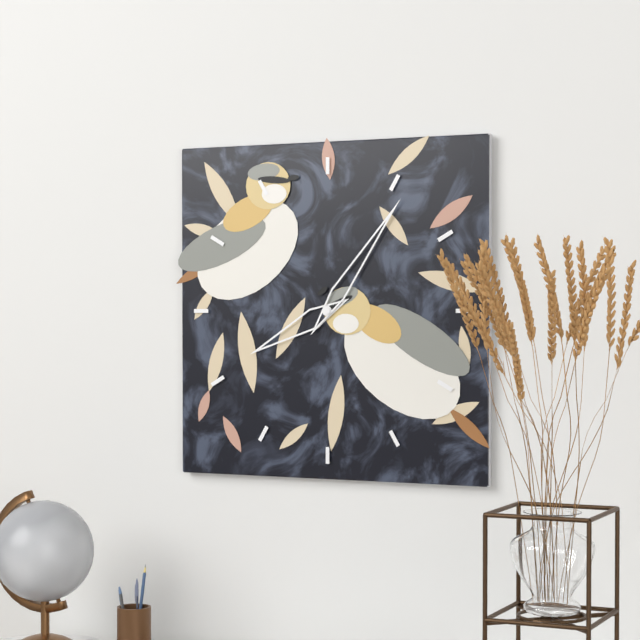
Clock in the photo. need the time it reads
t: 8:06
